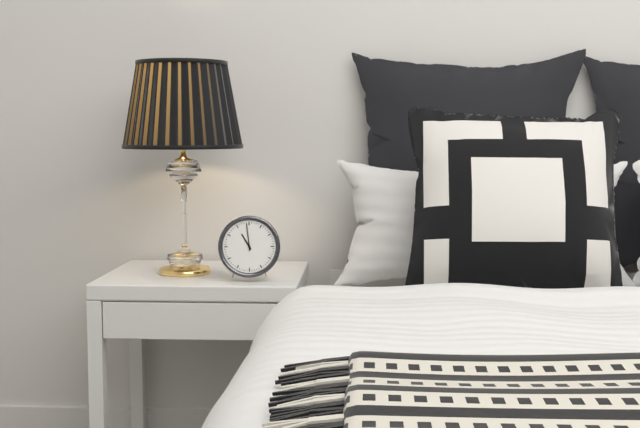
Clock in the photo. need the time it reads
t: 10:59
